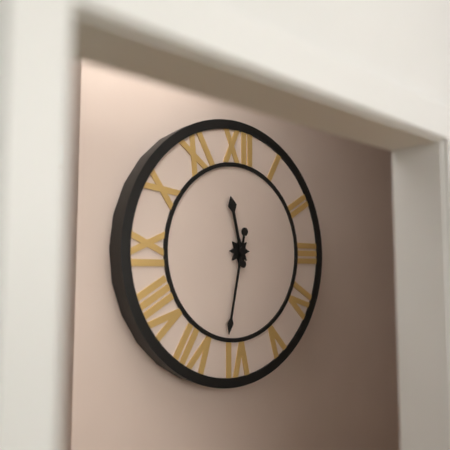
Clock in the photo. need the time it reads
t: 11:32
